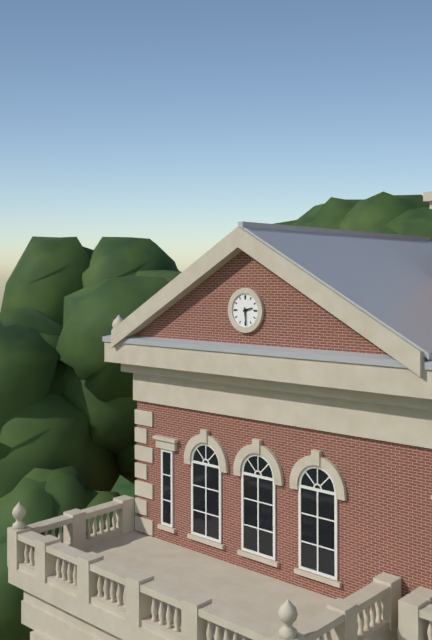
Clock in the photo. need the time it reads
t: 2:29
